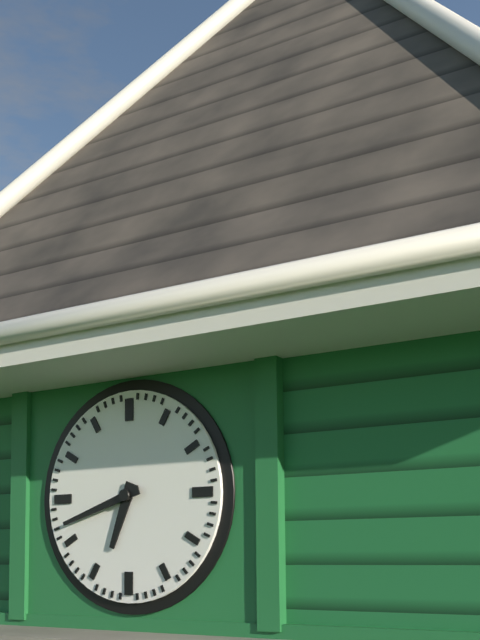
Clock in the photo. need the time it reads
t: 6:42
